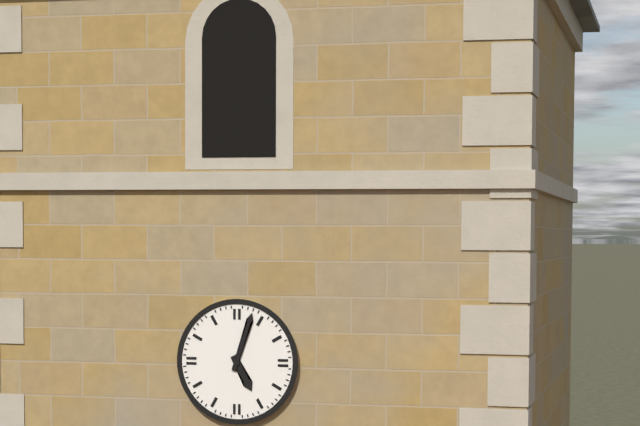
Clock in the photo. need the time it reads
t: 5:03
